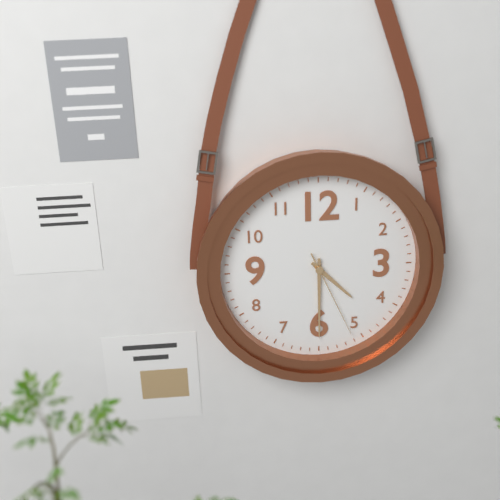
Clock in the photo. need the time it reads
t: 4:30:26
